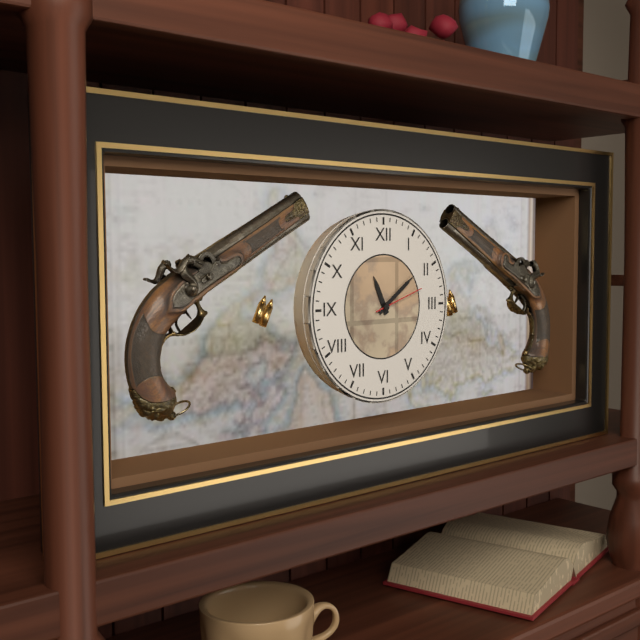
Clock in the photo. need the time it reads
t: 11:09:12
